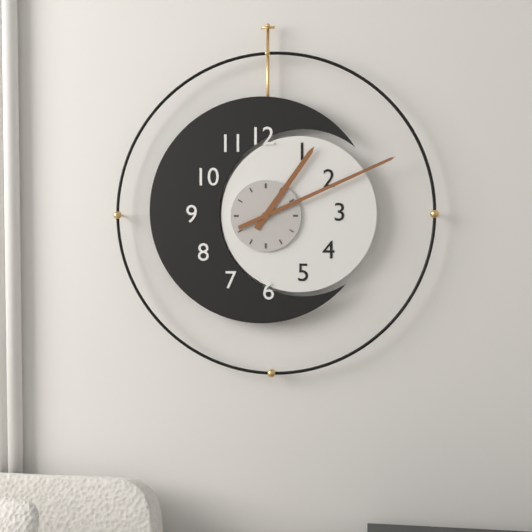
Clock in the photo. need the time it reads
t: 1:11
